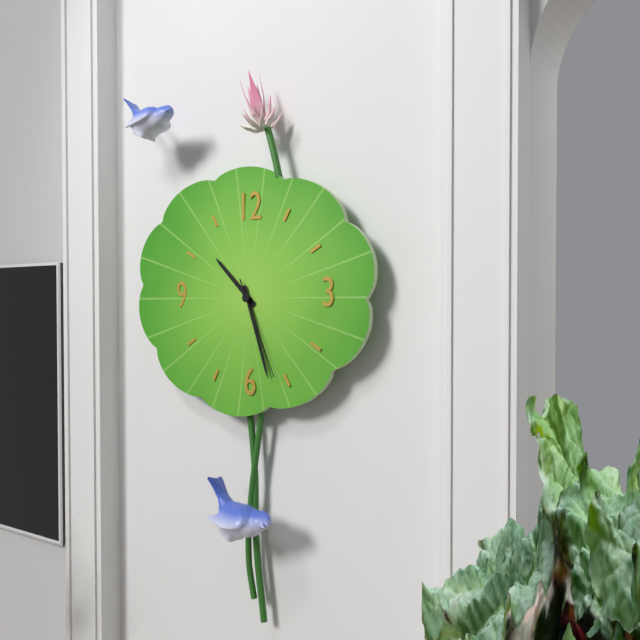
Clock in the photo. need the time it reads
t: 10:27:26
